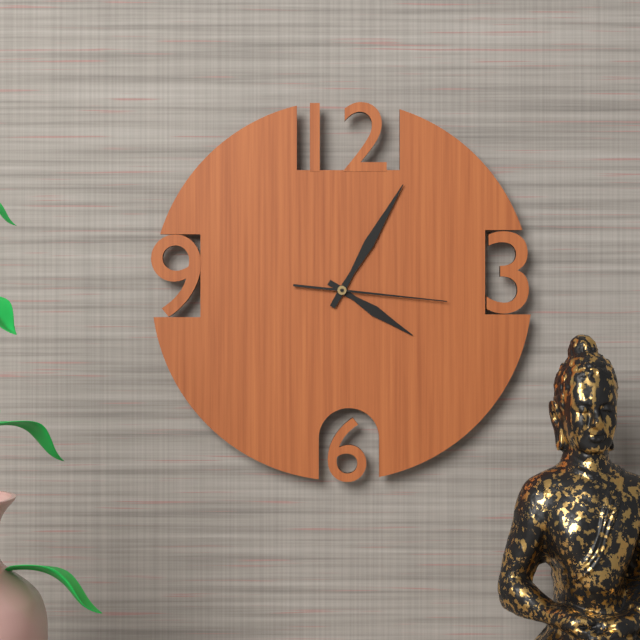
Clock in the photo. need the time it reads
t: 4:05:16
